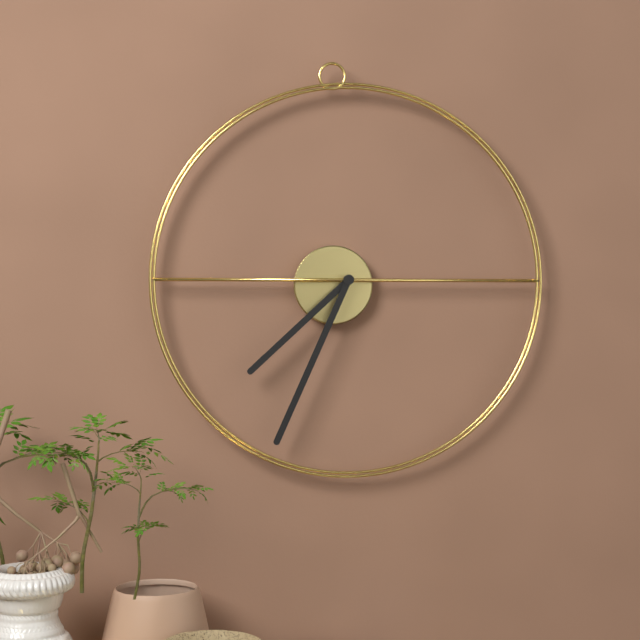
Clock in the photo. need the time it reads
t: 7:34
